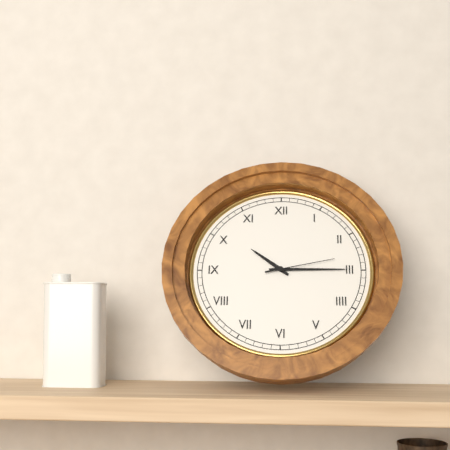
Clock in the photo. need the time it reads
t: 10:15:13
